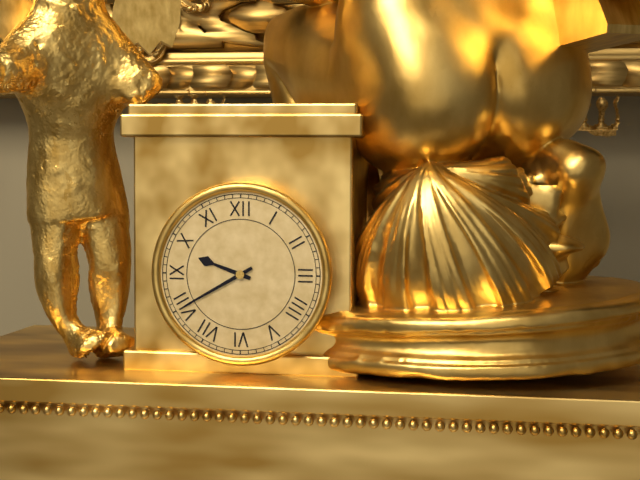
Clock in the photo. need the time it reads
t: 9:40
